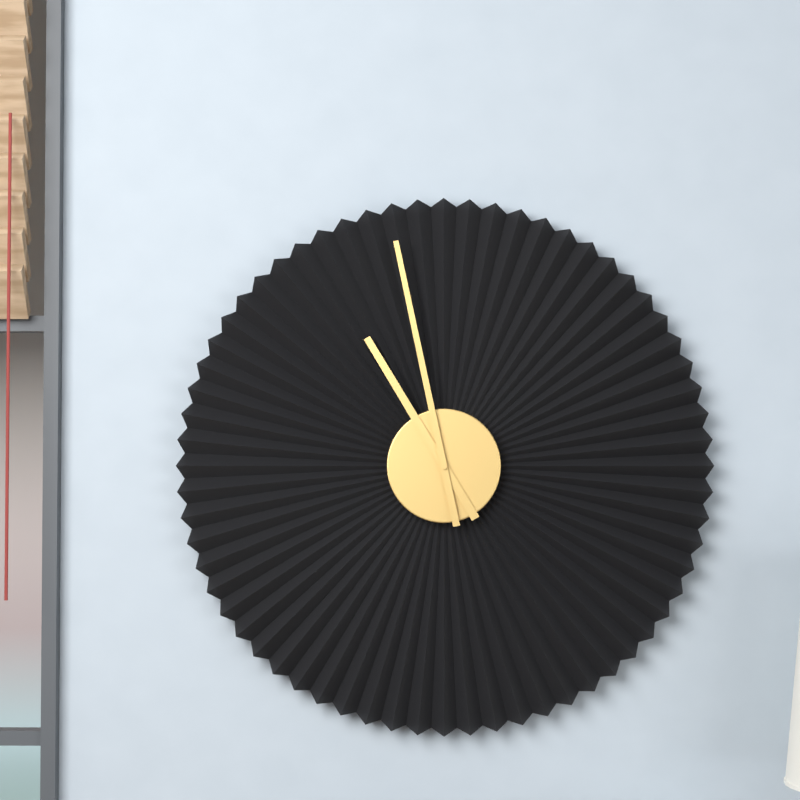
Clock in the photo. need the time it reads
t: 10:58
